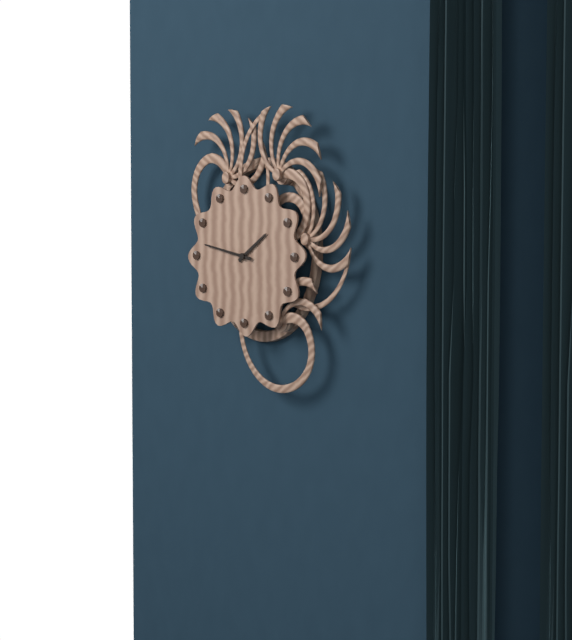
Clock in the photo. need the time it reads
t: 1:47
